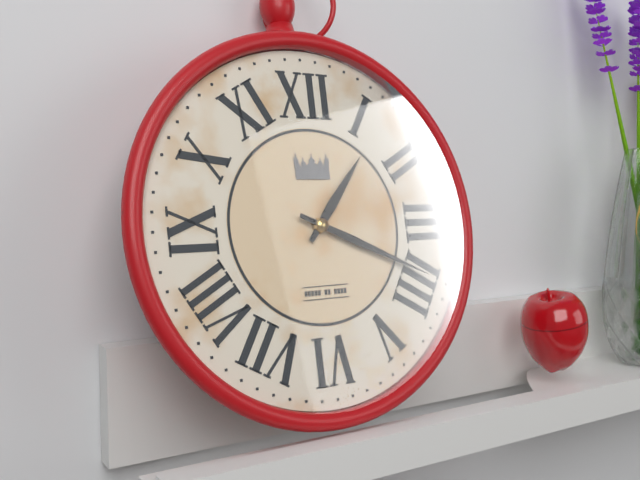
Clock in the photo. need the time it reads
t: 1:19
